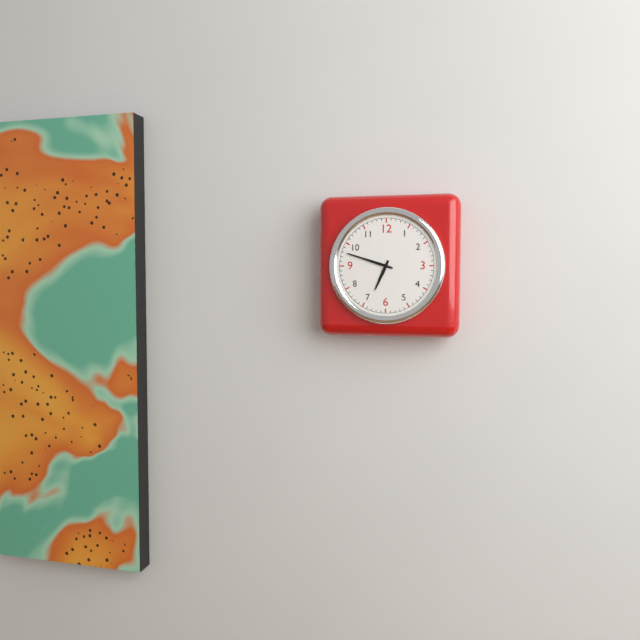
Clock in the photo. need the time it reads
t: 6:48
